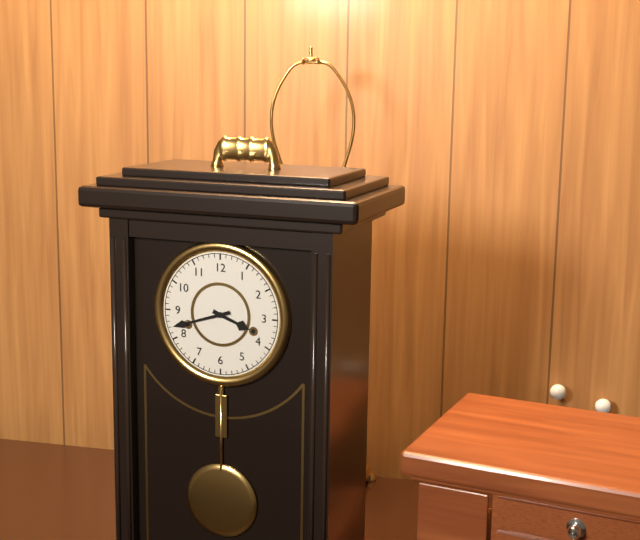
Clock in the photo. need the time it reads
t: 3:42
